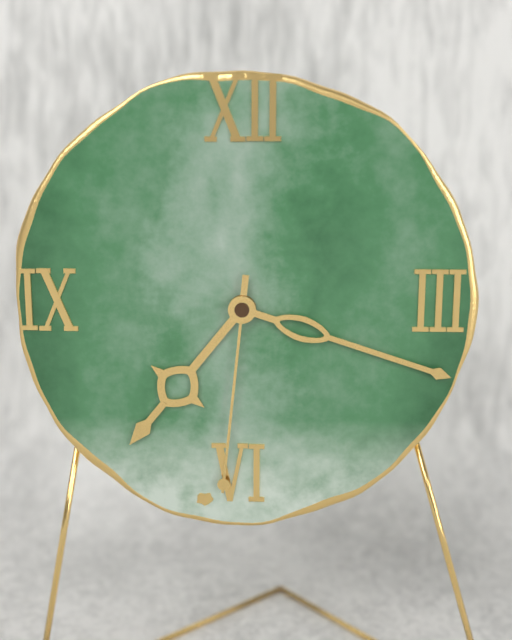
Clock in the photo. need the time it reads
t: 7:18:31
